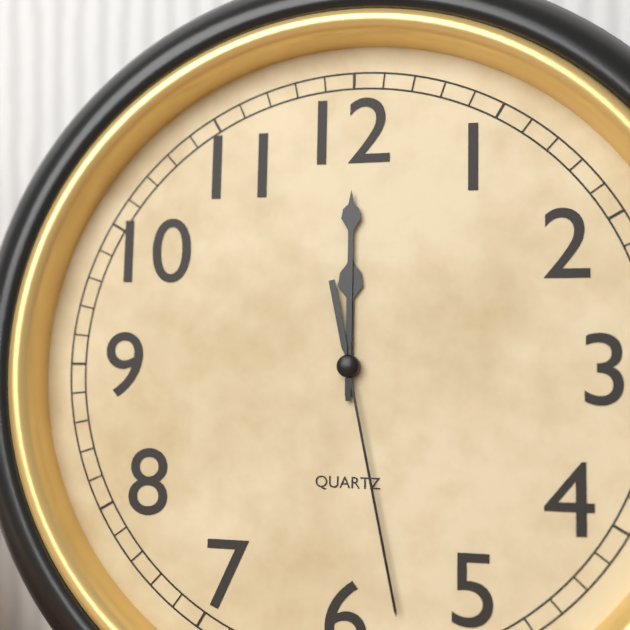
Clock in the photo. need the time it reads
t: 12:00:28
